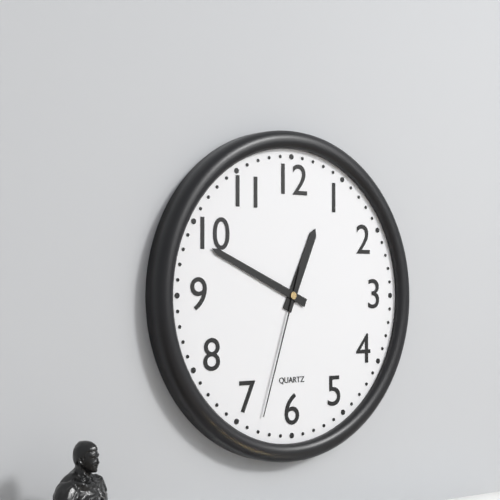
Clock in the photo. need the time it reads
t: 12:49:33
